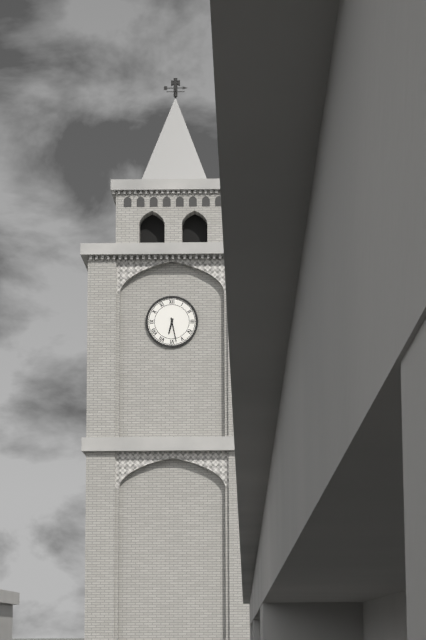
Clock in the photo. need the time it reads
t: 6:28
